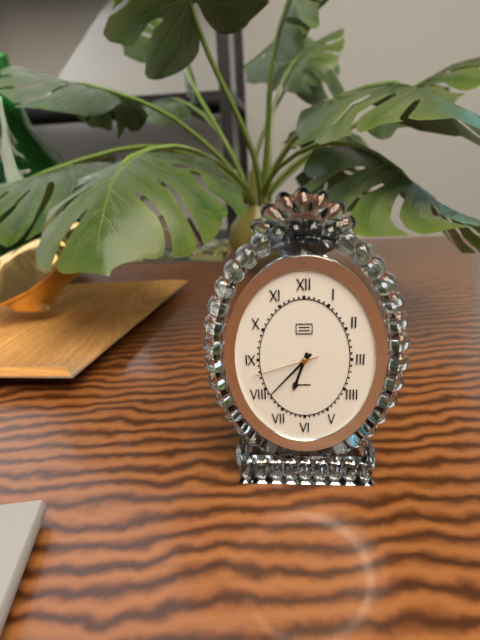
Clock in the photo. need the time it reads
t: 6:37:42
